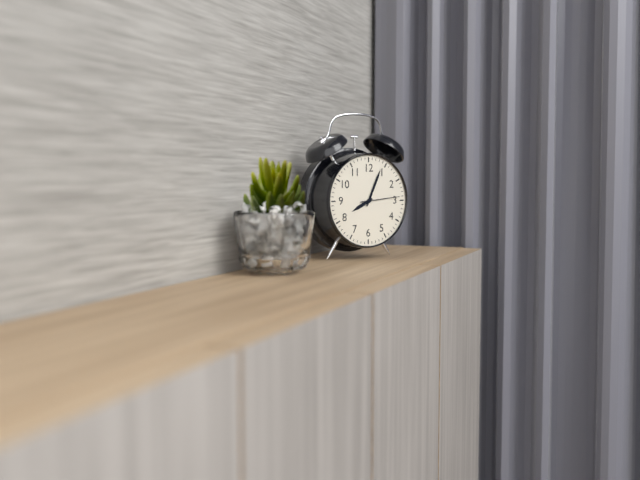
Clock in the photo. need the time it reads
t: 8:04:14
